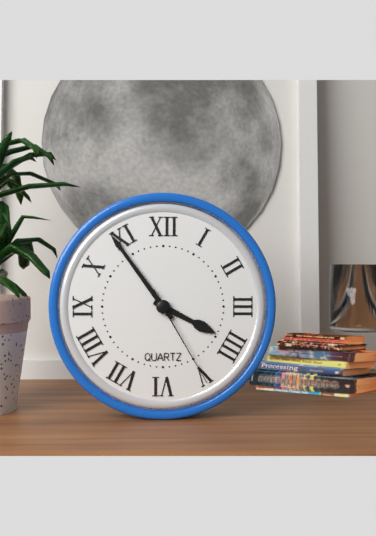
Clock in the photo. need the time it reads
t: 3:54:25
